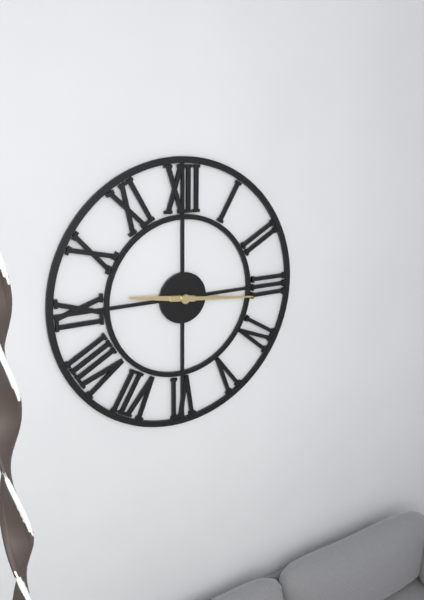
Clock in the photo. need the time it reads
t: 9:16
